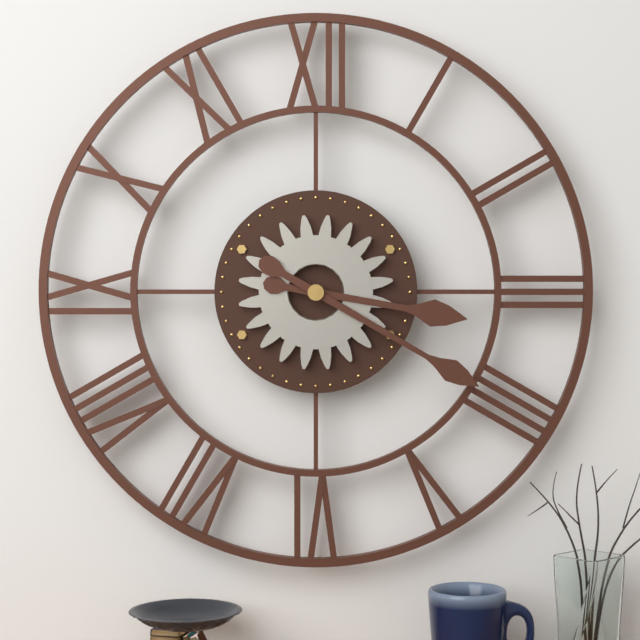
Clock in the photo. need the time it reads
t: 3:20
